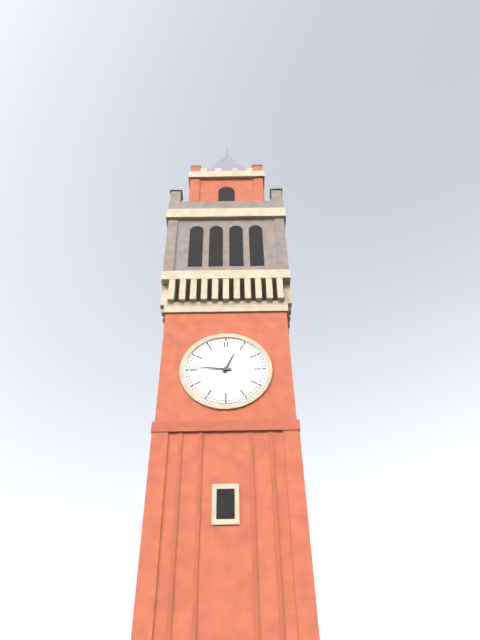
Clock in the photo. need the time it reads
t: 12:46
